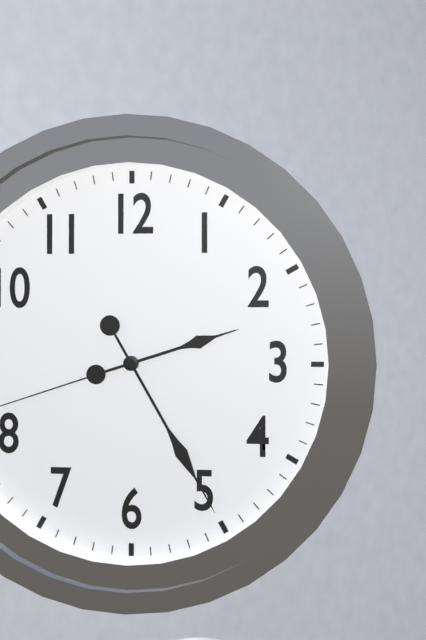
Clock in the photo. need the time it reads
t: 2:25
